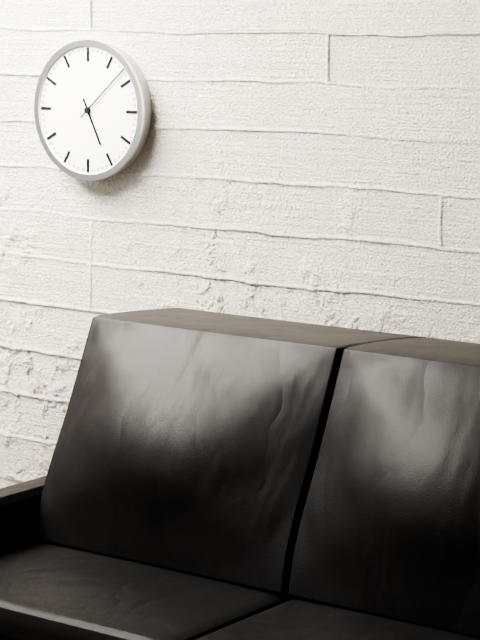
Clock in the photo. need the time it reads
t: 5:08
